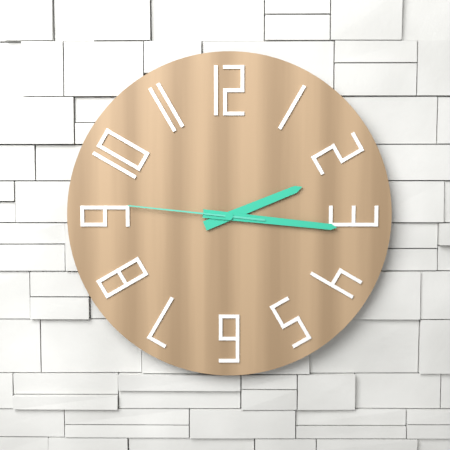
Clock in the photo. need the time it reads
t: 2:16:46
